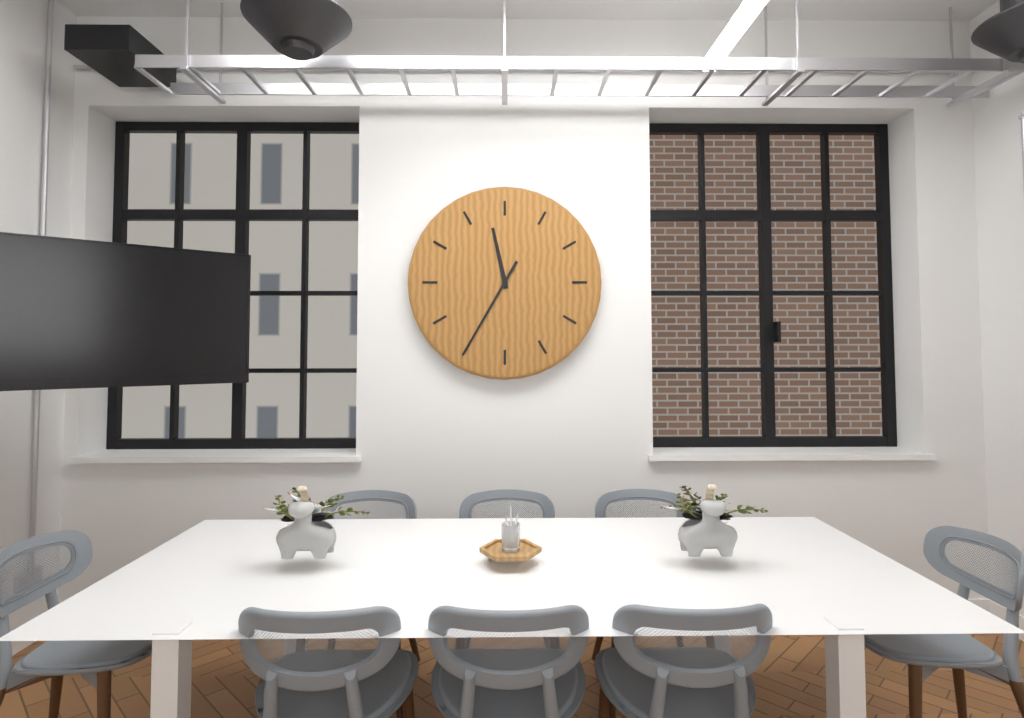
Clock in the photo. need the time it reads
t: 11:35
